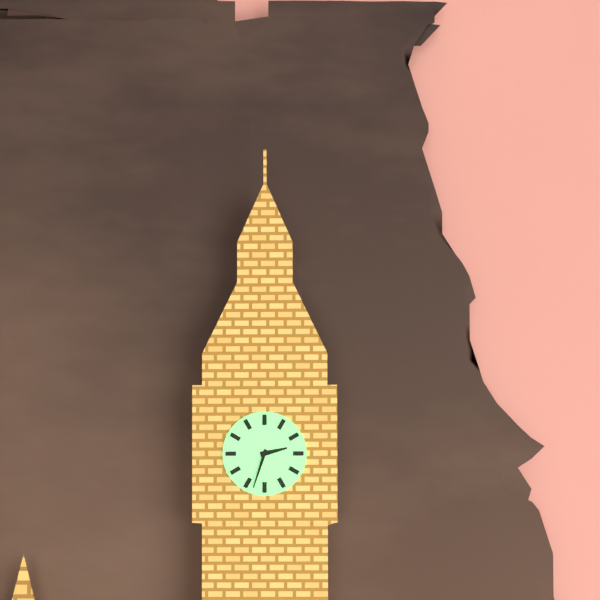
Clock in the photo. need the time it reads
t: 2:33
